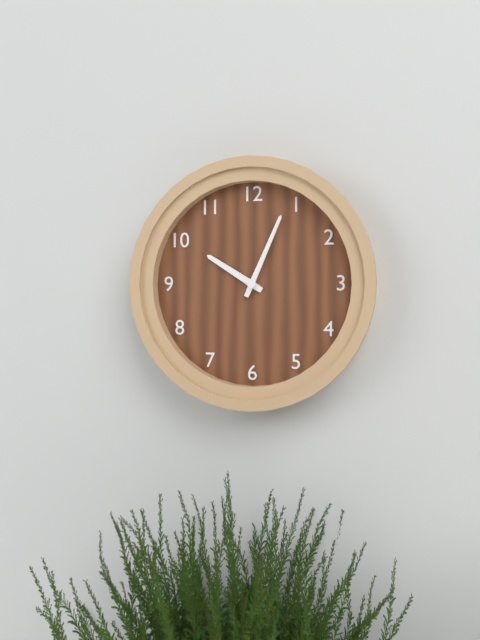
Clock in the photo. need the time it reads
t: 10:04
